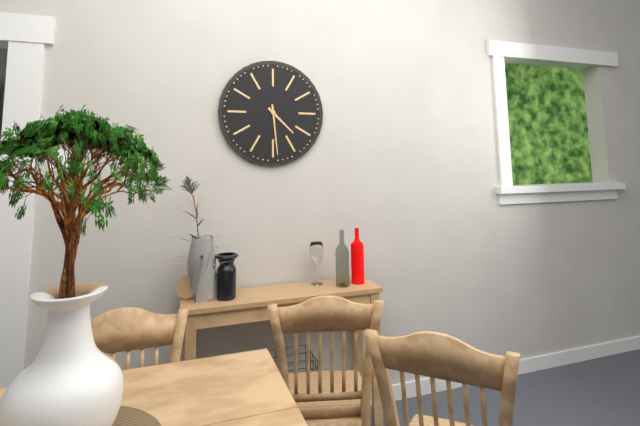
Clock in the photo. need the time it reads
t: 4:29
